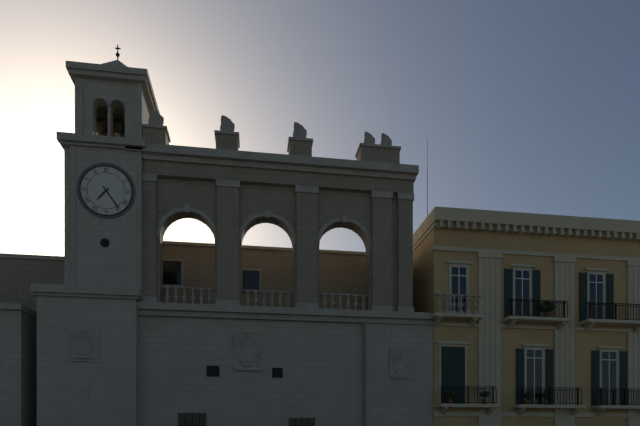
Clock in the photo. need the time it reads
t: 7:24
